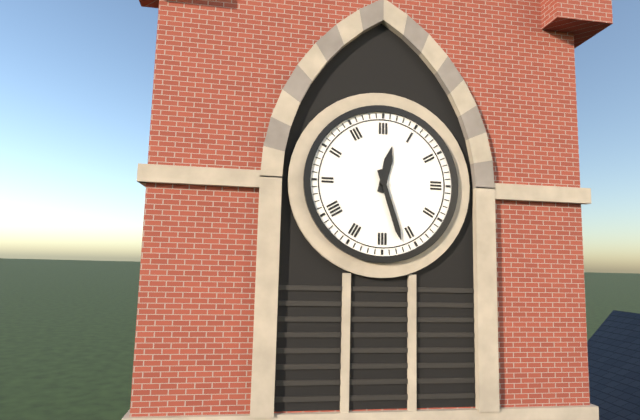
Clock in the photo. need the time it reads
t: 12:27
